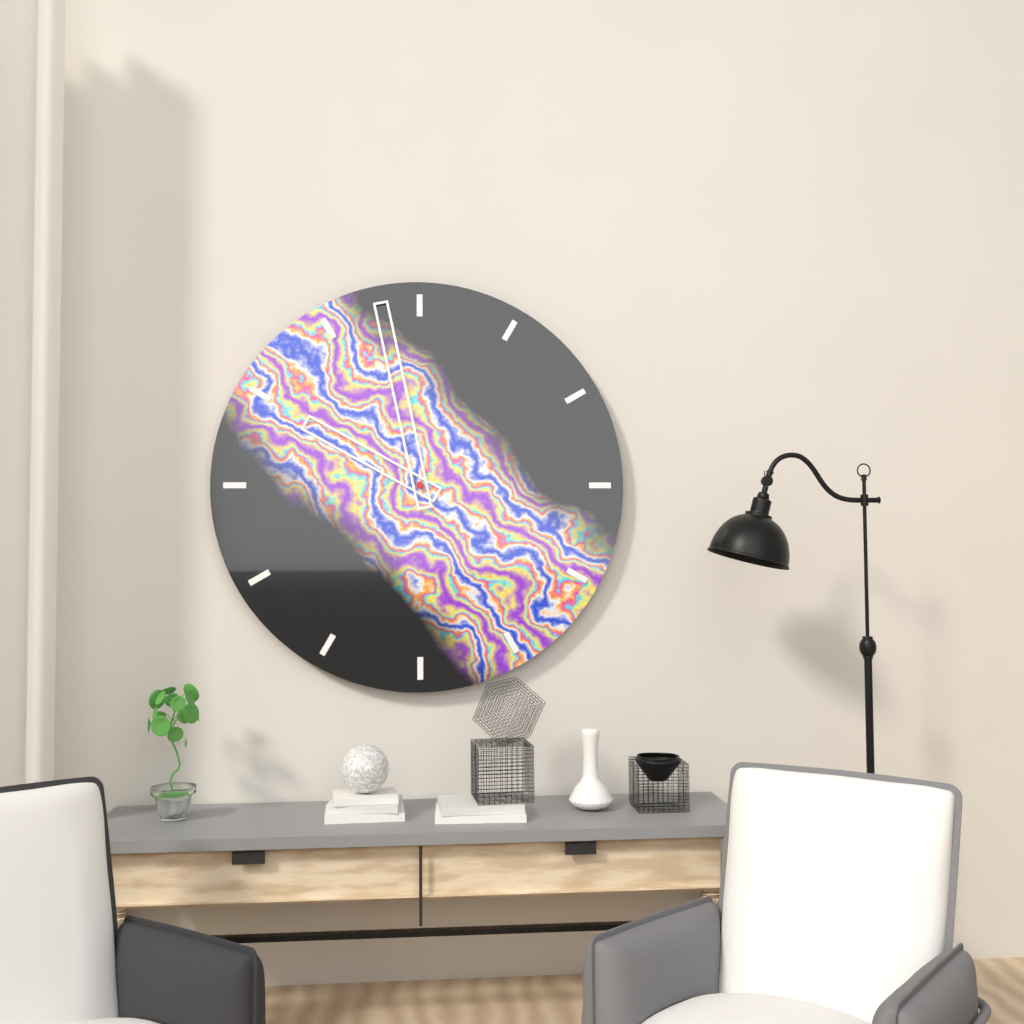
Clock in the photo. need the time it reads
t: 9:58
